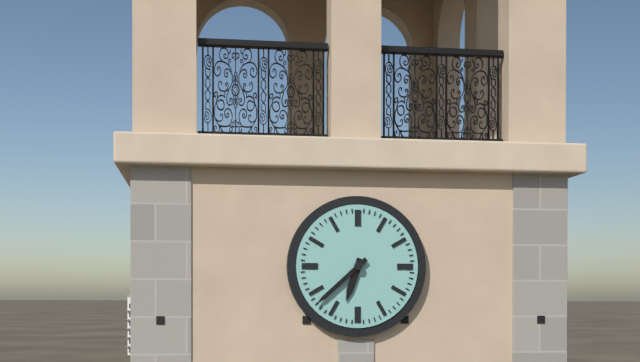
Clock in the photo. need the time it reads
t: 6:38
